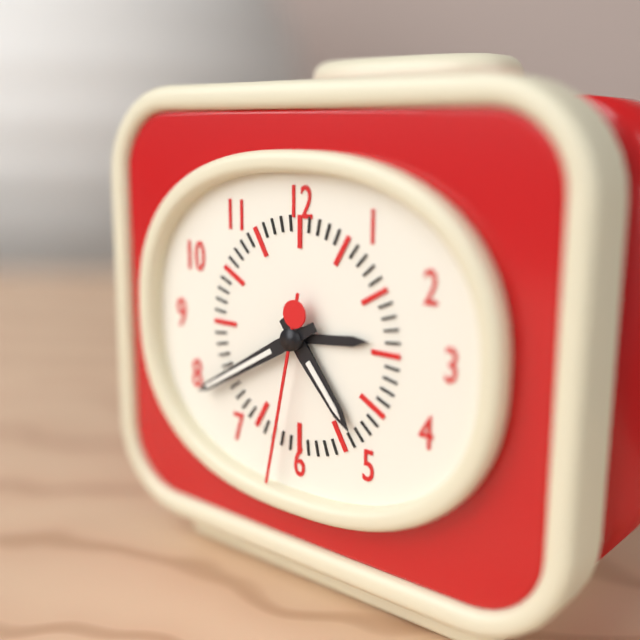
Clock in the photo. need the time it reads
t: 4:40:32
